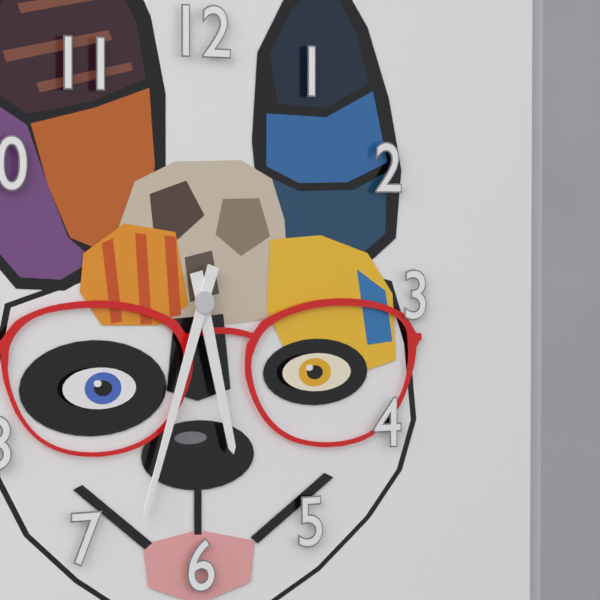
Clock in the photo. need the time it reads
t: 5:33
